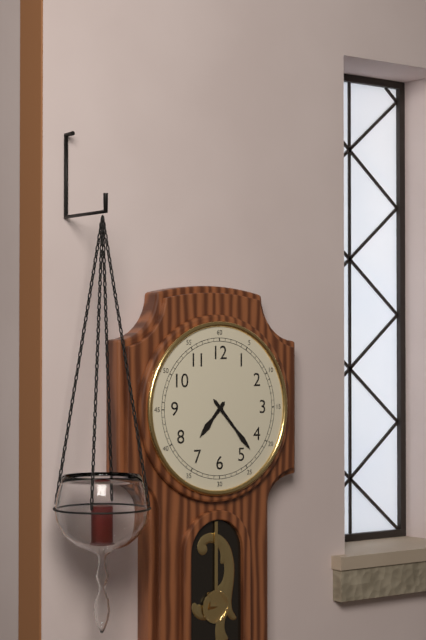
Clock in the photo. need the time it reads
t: 7:23
